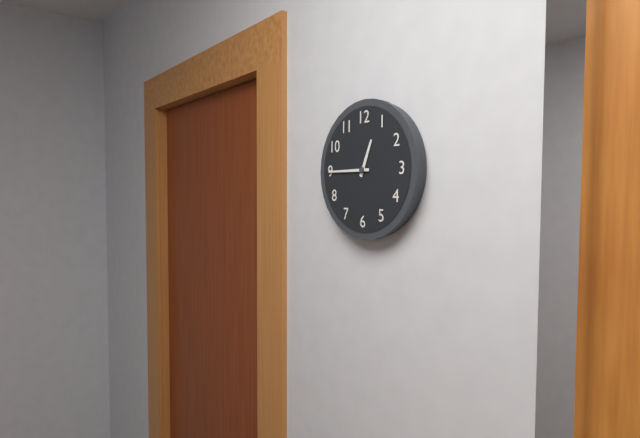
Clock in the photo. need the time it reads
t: 12:45
